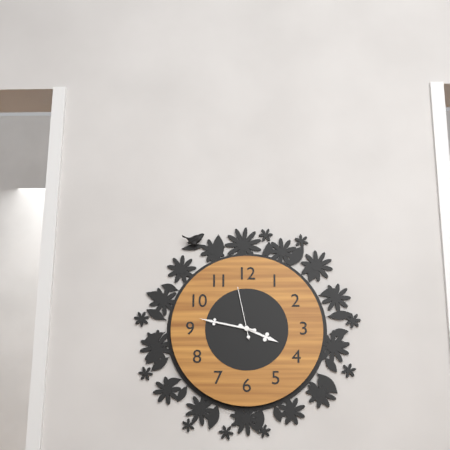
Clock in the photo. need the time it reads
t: 3:47:58
